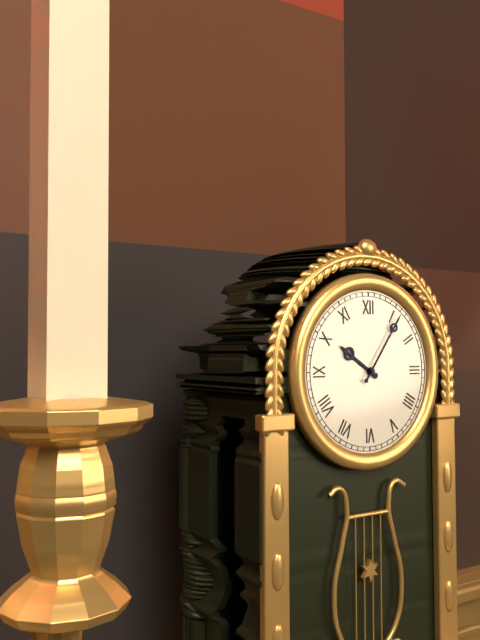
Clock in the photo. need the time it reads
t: 10:06
